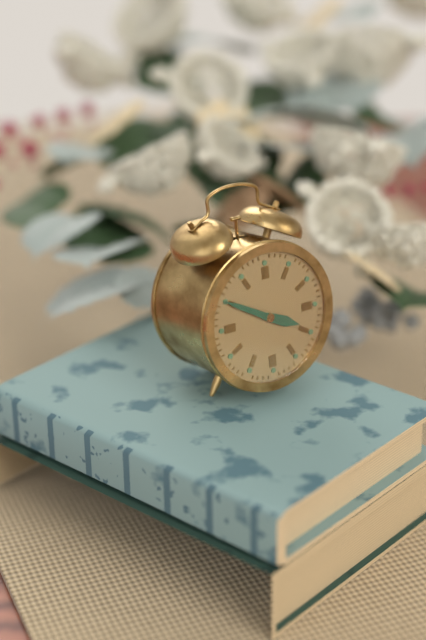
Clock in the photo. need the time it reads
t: 3:50
